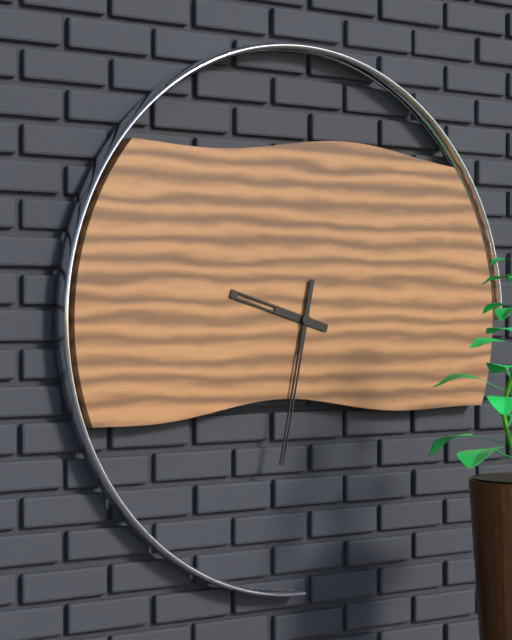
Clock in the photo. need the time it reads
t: 9:32
